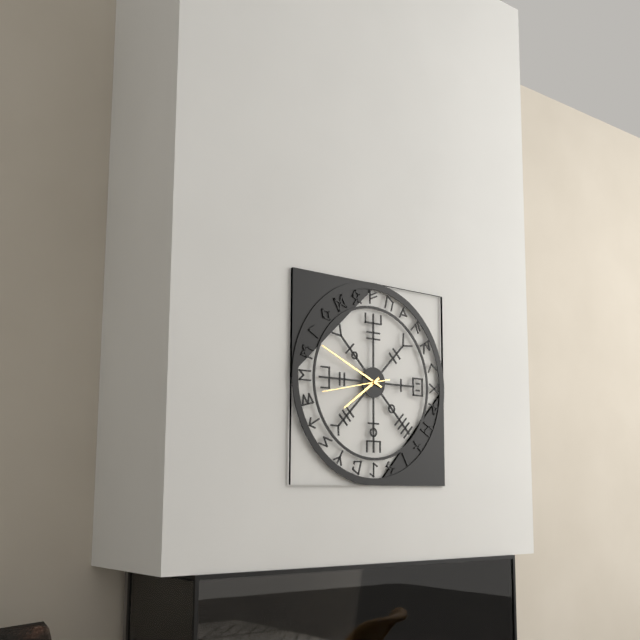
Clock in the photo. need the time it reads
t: 7:49:43
